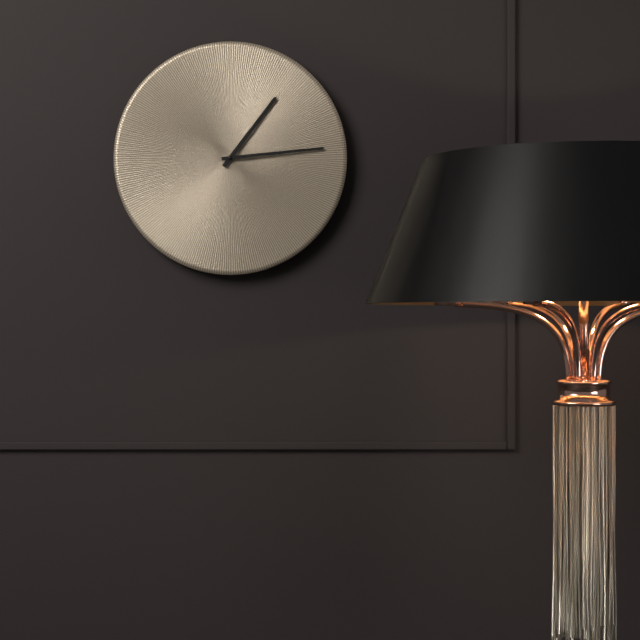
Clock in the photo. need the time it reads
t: 1:14
